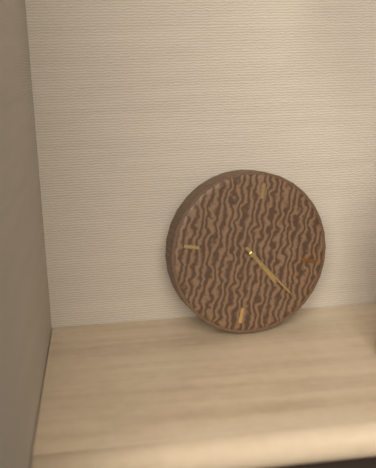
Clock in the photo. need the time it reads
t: 4:21
